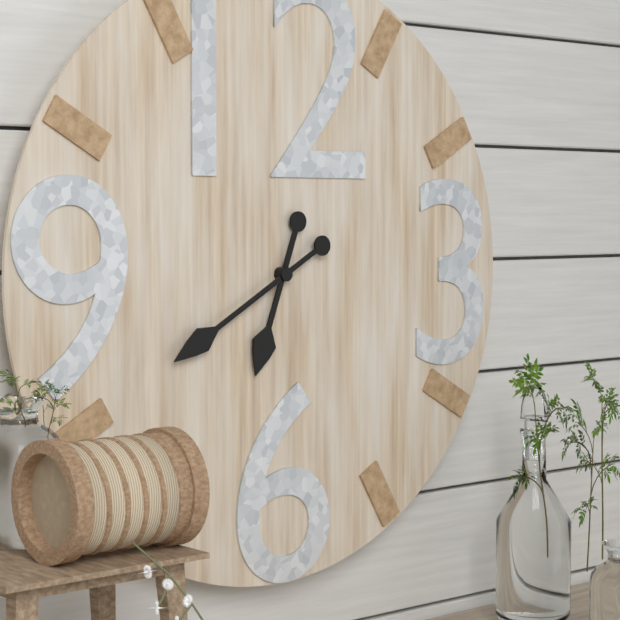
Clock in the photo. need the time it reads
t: 6:40
